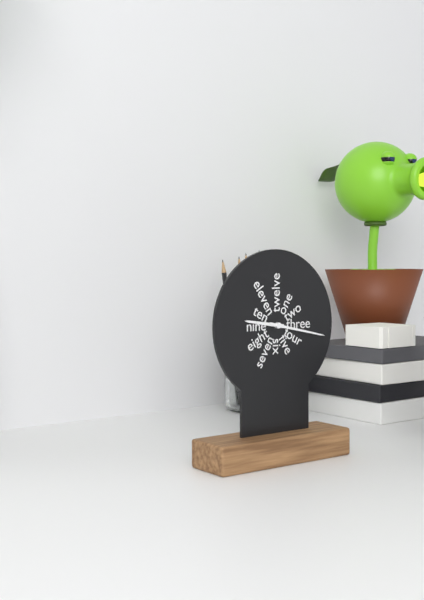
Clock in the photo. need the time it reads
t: 9:17
